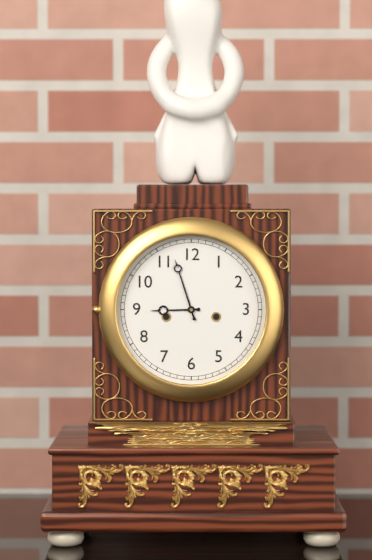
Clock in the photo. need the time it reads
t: 8:57
